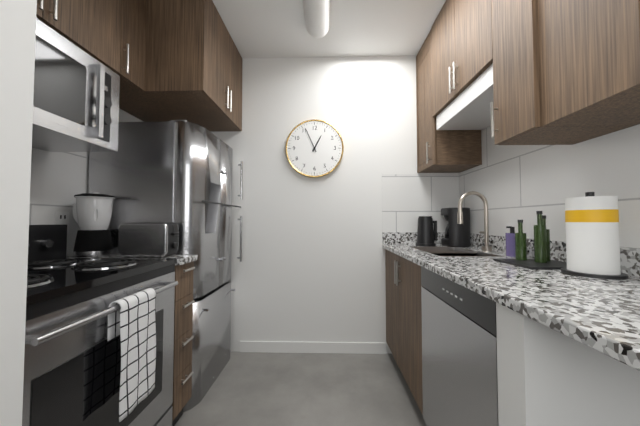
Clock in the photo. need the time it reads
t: 12:56
